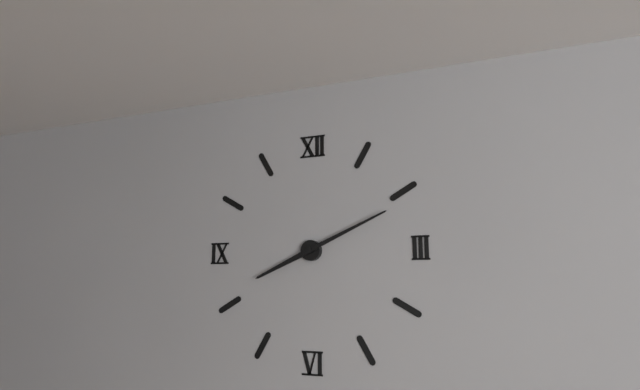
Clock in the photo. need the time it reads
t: 8:11
